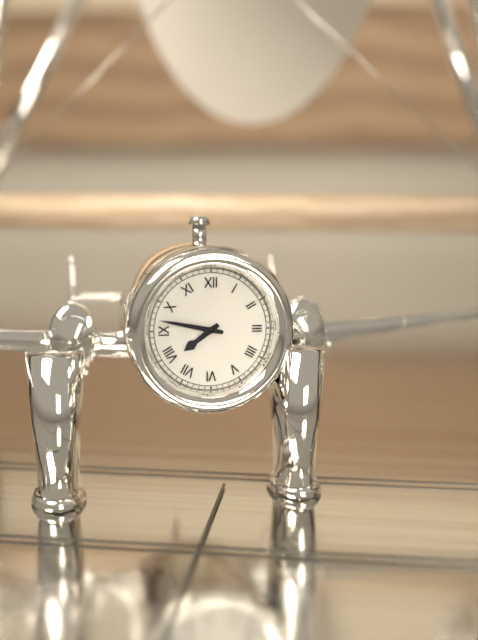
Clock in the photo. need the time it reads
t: 7:47
